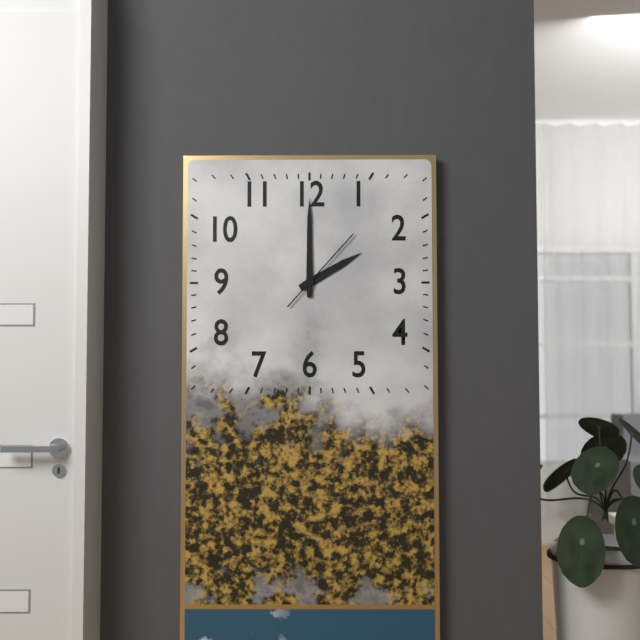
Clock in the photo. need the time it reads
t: 2:00:07
